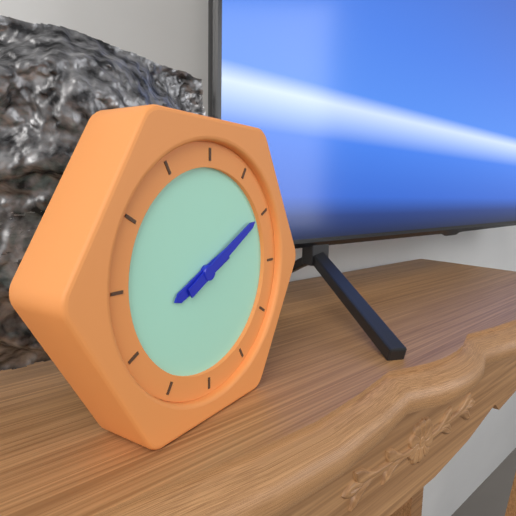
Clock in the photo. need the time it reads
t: 8:10
